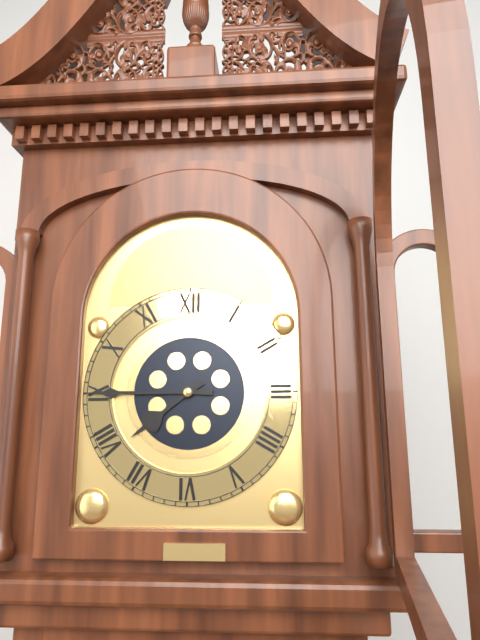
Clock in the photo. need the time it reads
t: 7:45
